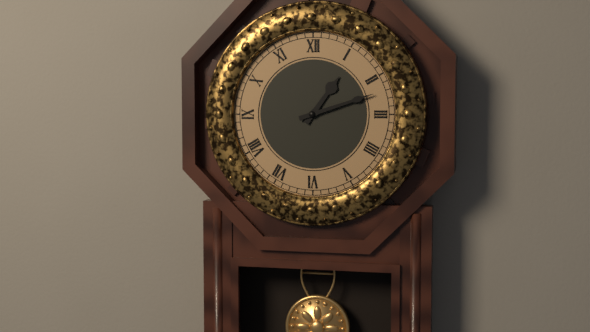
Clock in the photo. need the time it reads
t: 1:12
